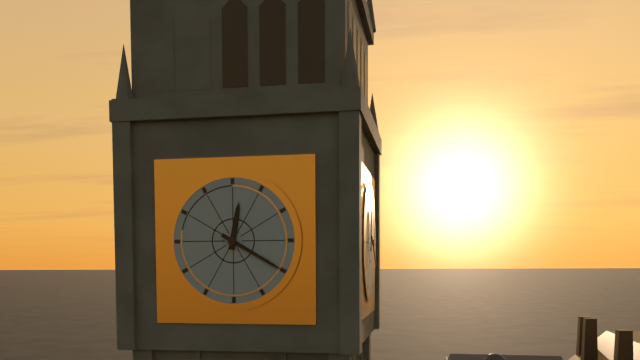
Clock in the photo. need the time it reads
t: 12:20
